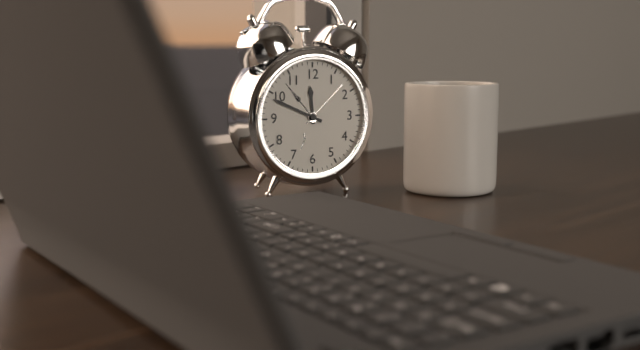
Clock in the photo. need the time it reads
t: 11:49
